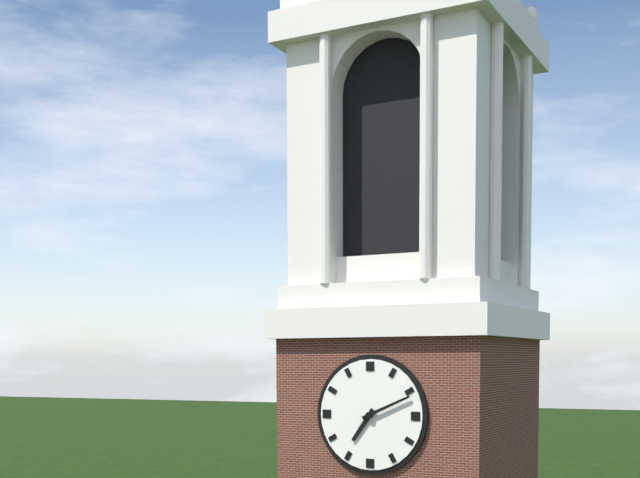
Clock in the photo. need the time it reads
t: 7:11
